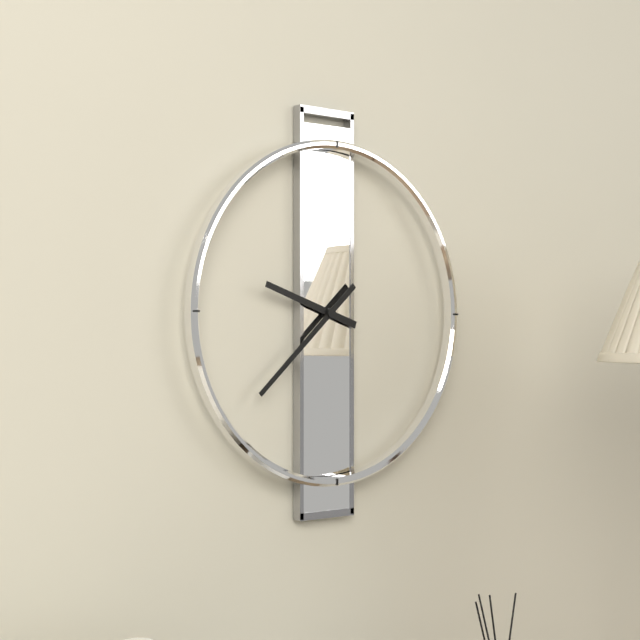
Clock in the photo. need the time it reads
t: 9:38
